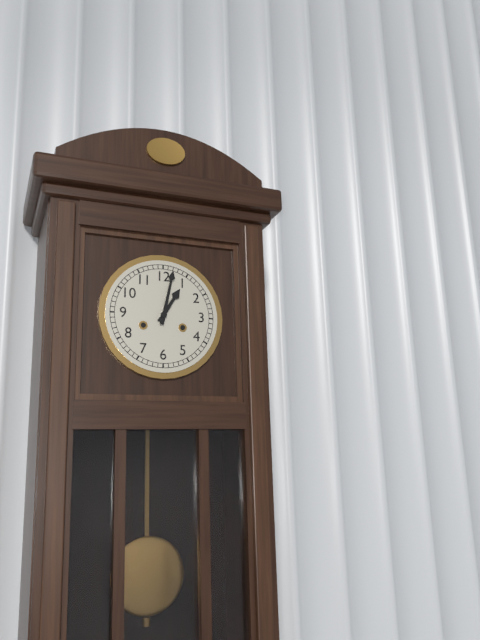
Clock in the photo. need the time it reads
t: 1:02
